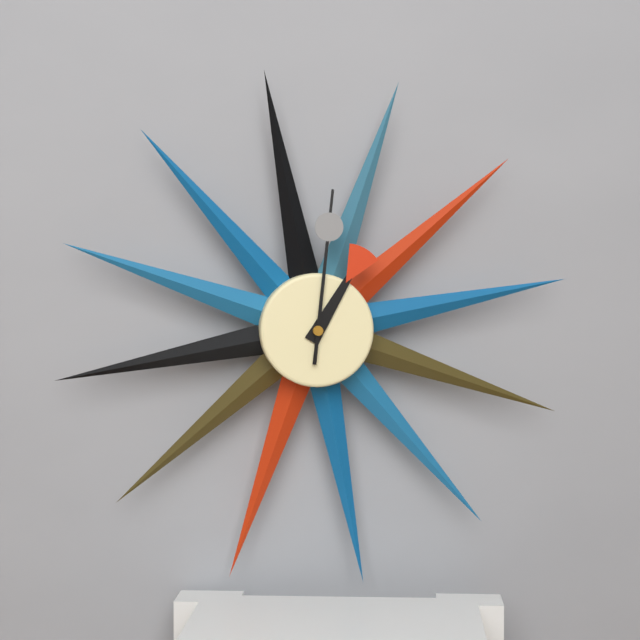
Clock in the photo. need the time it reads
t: 1:01
